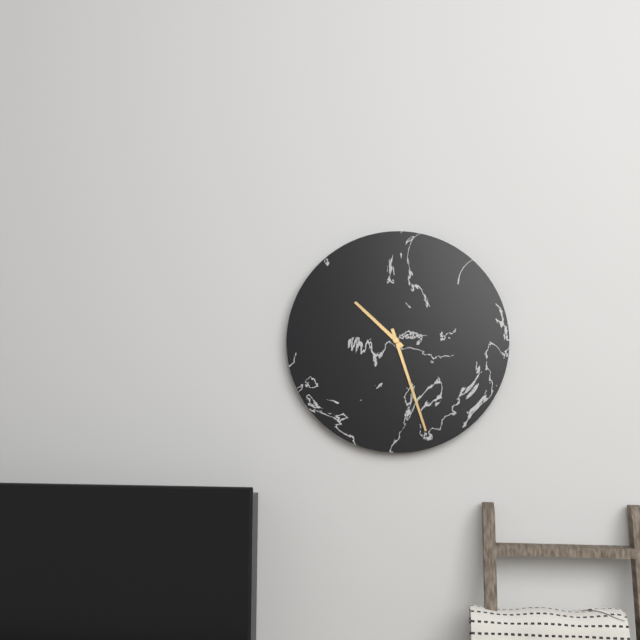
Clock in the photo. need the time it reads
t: 10:27
